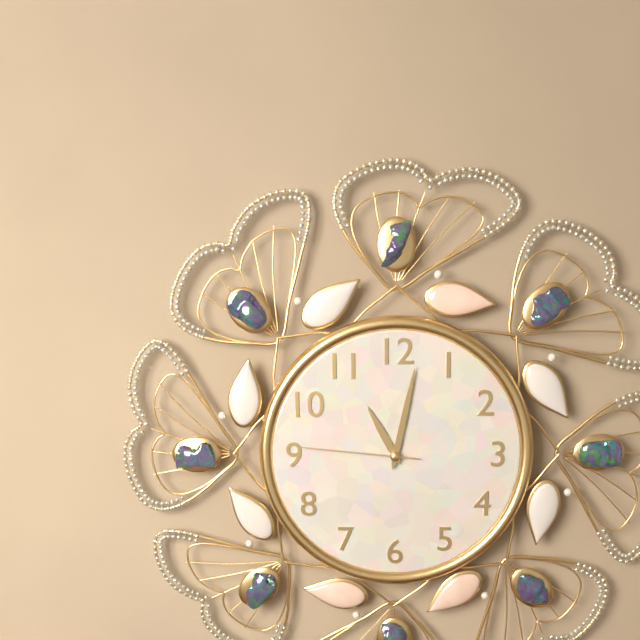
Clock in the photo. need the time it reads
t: 11:02:46
